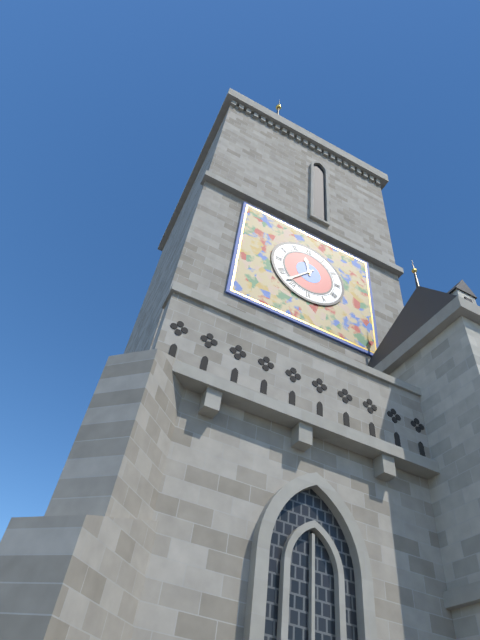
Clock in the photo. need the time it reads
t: 11:37
